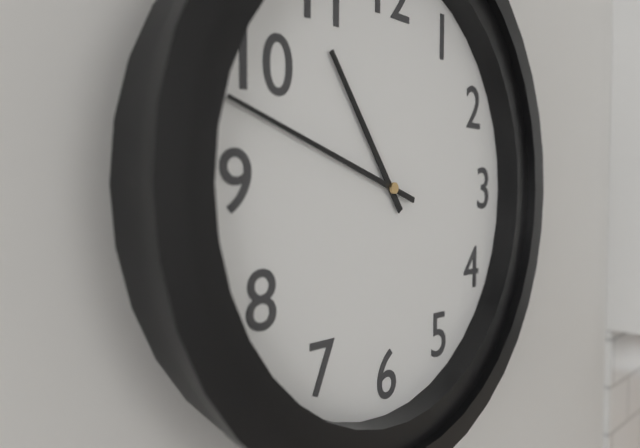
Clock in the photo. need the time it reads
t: 10:48
